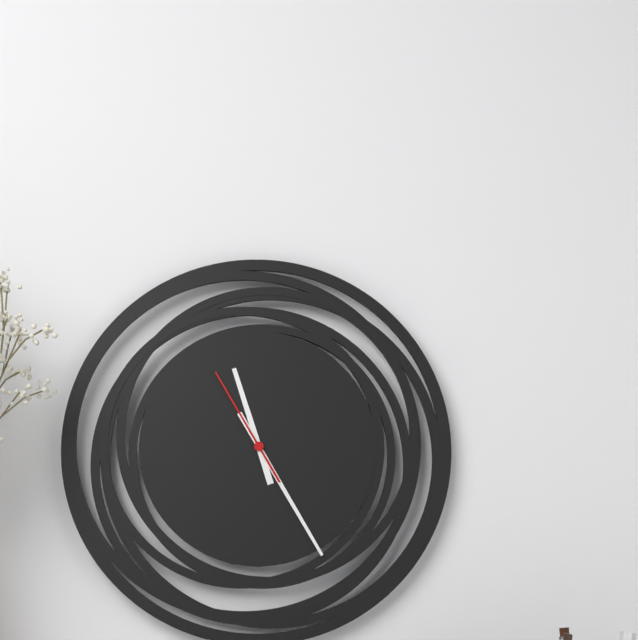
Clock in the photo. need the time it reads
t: 11:25:55
